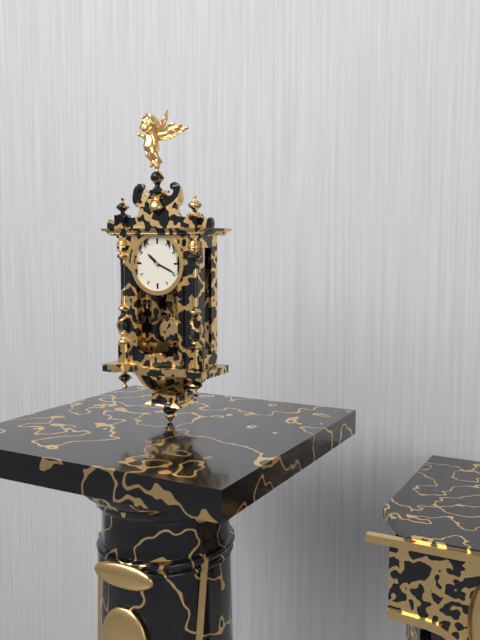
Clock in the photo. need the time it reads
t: 10:19
